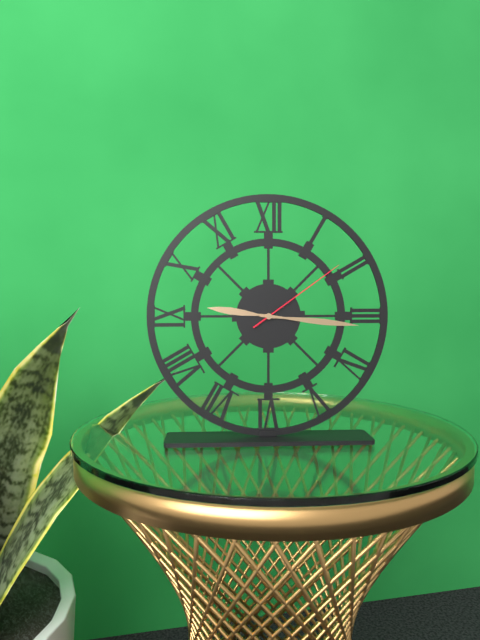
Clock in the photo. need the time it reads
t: 9:16:09
